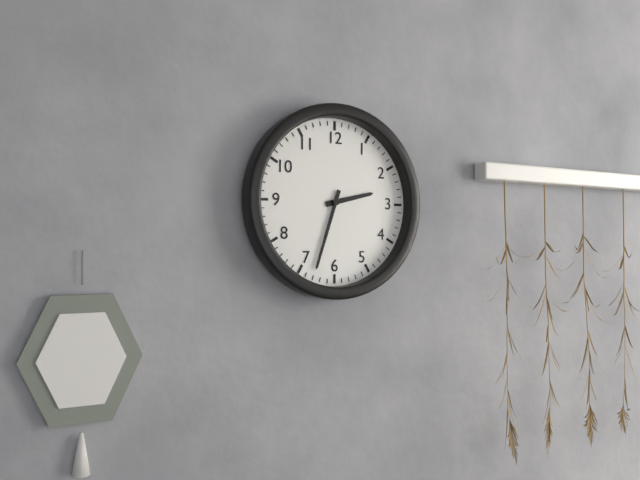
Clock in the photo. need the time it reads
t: 2:33
